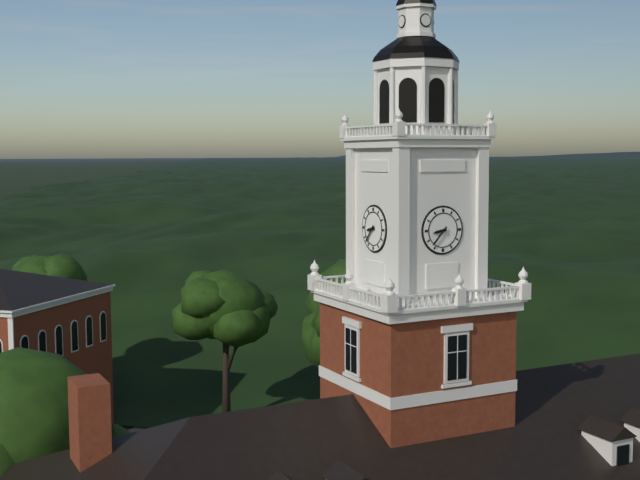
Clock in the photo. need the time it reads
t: 8:37
